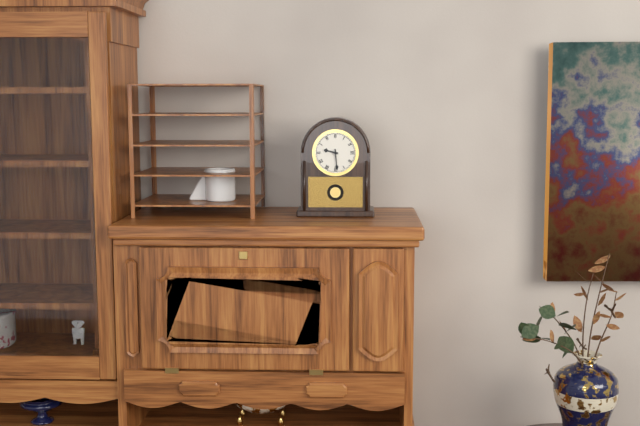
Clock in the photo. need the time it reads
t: 9:29
